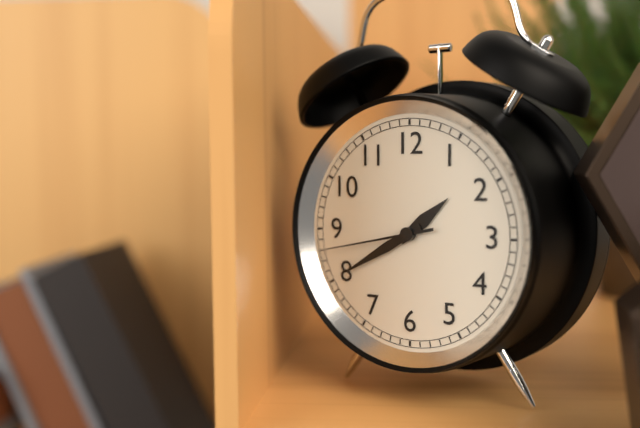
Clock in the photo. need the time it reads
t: 1:40:43
